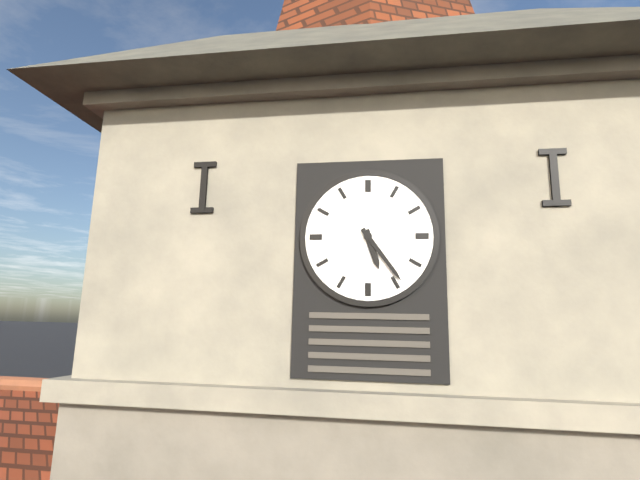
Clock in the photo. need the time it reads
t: 5:24
